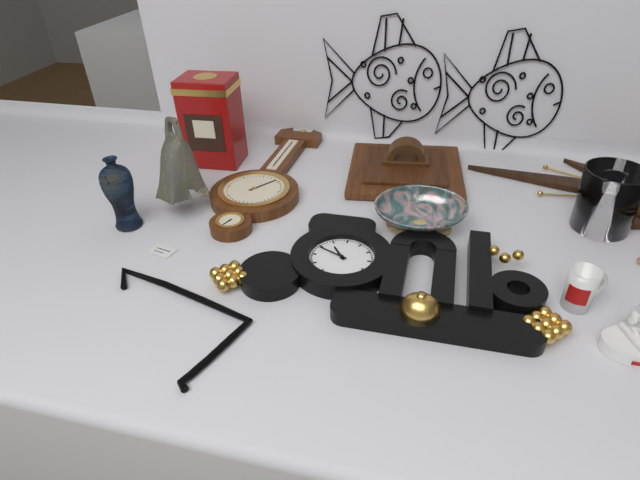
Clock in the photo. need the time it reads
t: 10:49
